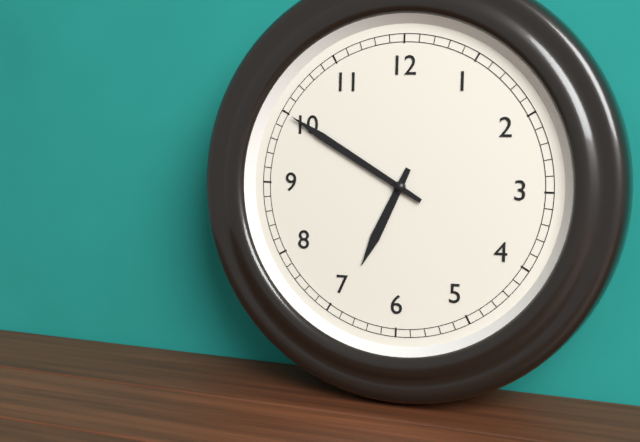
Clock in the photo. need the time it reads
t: 6:50
